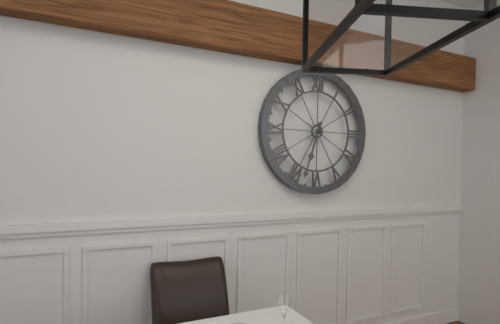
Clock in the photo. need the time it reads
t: 6:33
